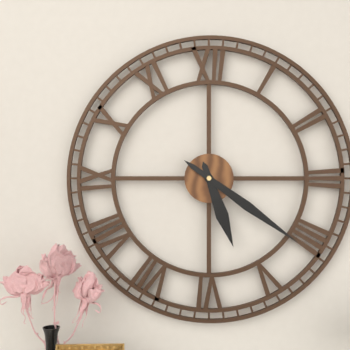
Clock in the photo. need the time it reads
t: 5:21
